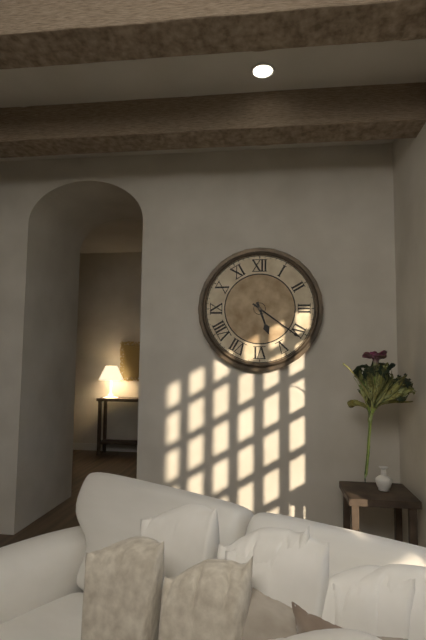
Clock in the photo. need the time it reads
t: 5:21
